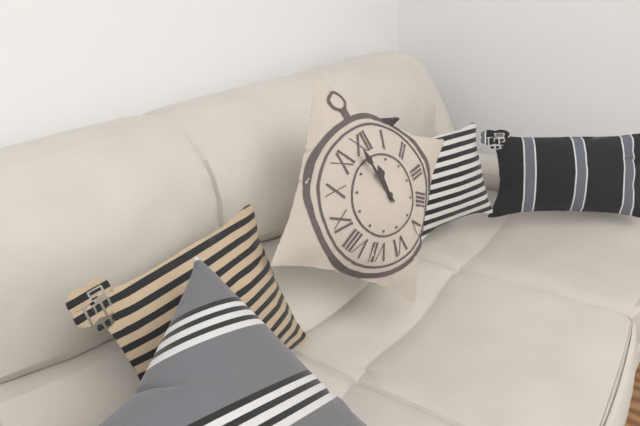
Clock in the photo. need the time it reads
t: 11:58
